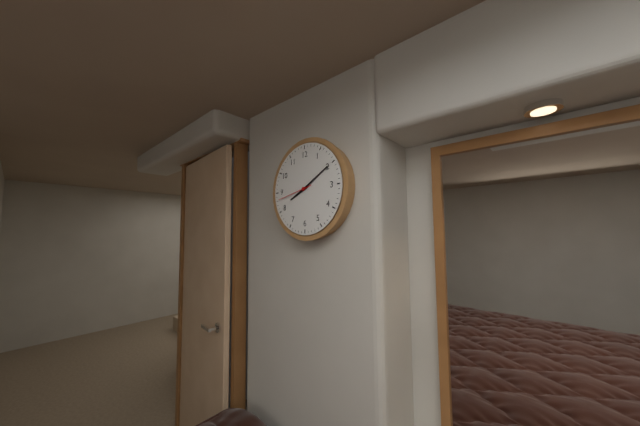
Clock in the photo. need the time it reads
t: 8:10
